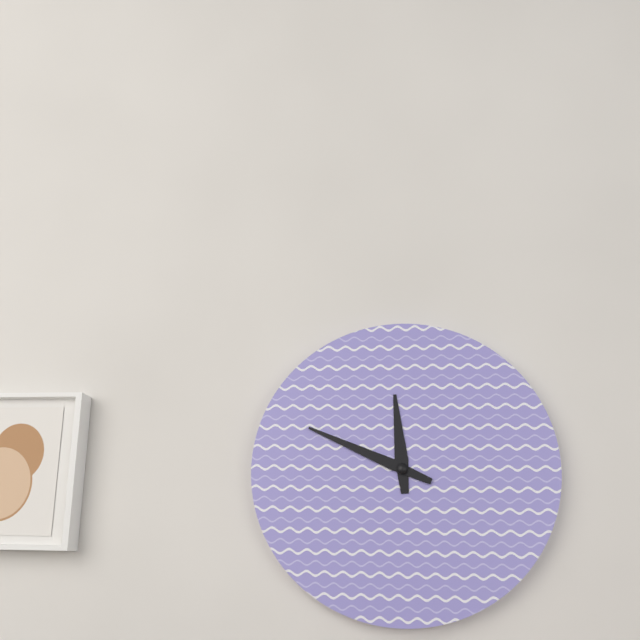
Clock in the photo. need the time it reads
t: 11:49
